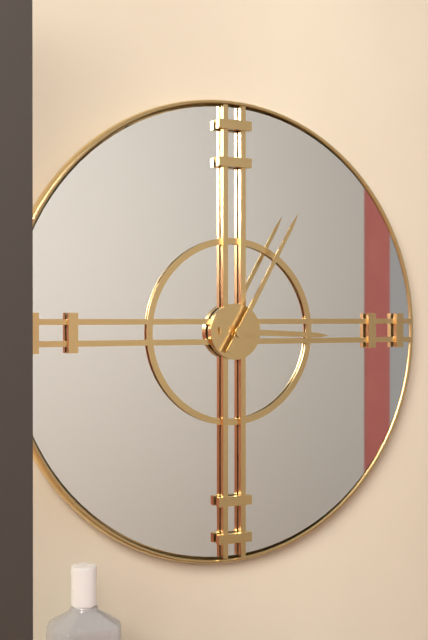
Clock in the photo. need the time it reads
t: 3:05
